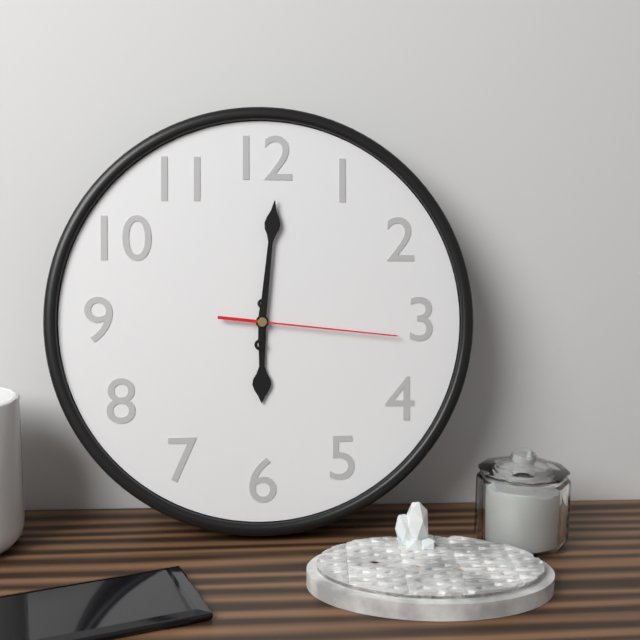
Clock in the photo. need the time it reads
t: 6:01:16
